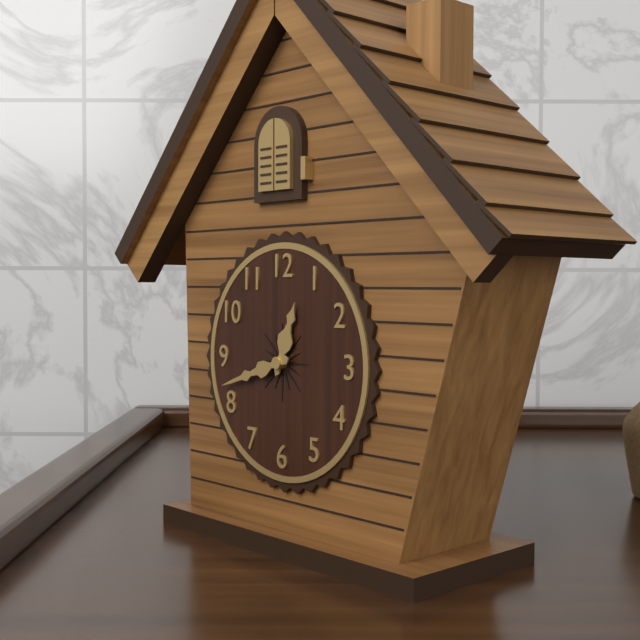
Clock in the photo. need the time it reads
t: 12:42
